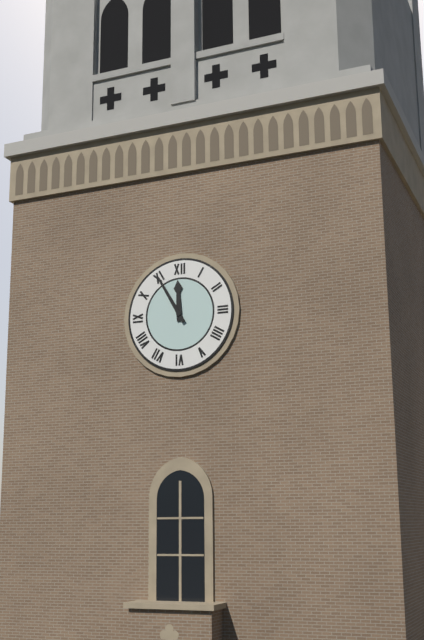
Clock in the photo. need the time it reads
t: 11:55
